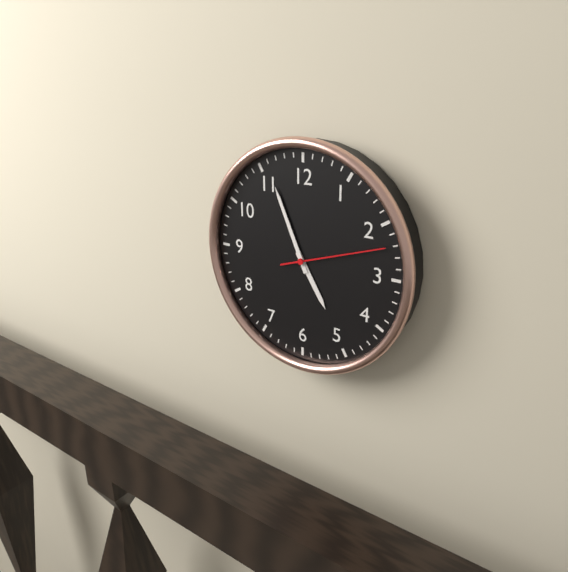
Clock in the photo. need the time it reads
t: 4:56:12
